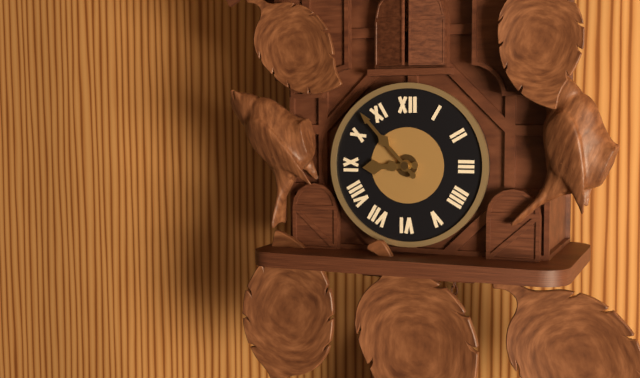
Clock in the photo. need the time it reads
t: 8:53
